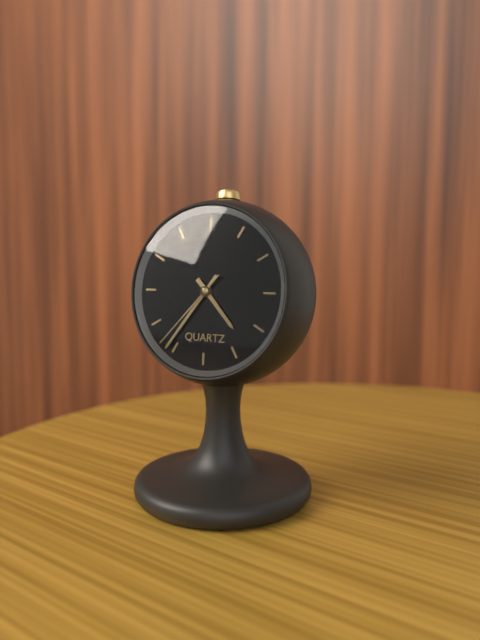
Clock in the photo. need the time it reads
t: 4:36:37
